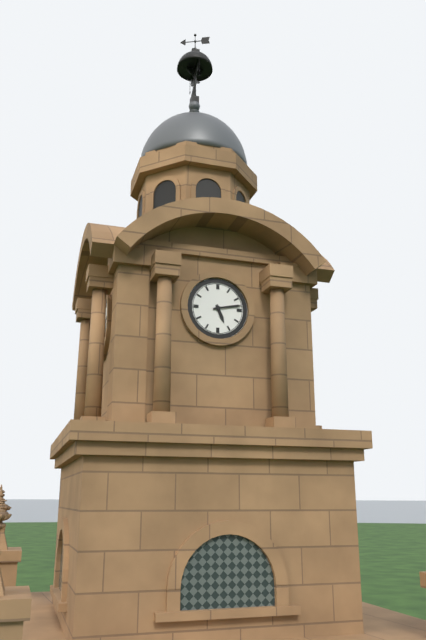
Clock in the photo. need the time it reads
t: 5:13
